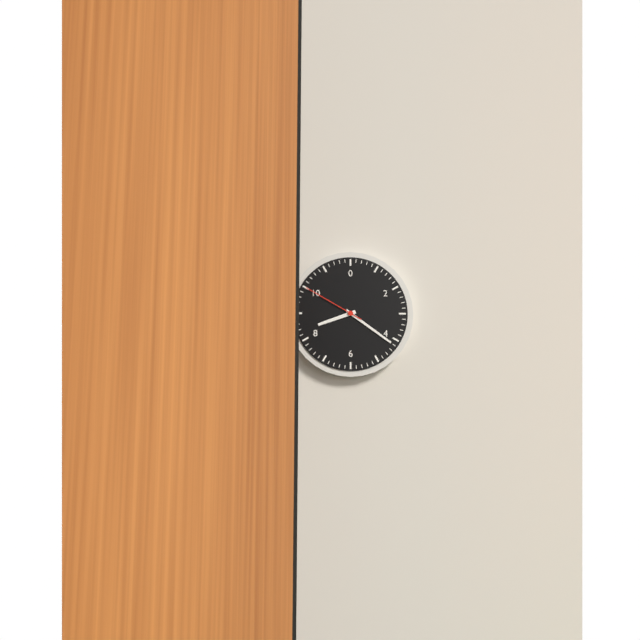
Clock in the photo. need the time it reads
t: 8:21:50
